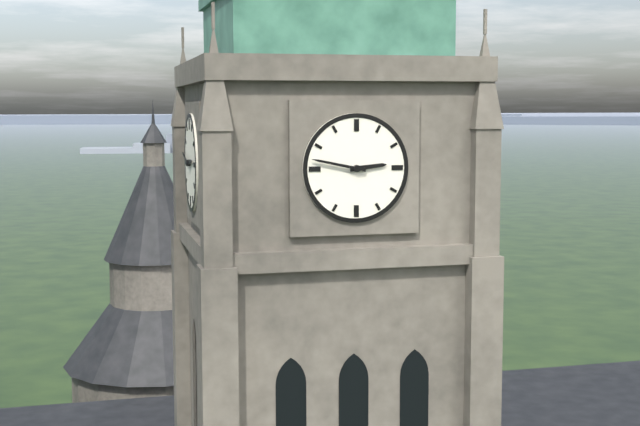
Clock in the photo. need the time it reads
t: 2:47
